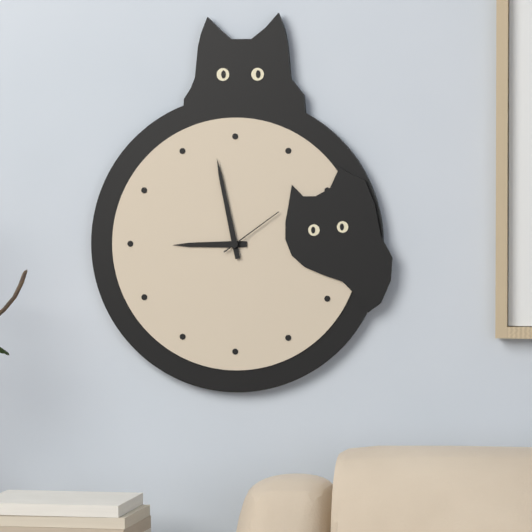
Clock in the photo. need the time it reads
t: 8:58:09
